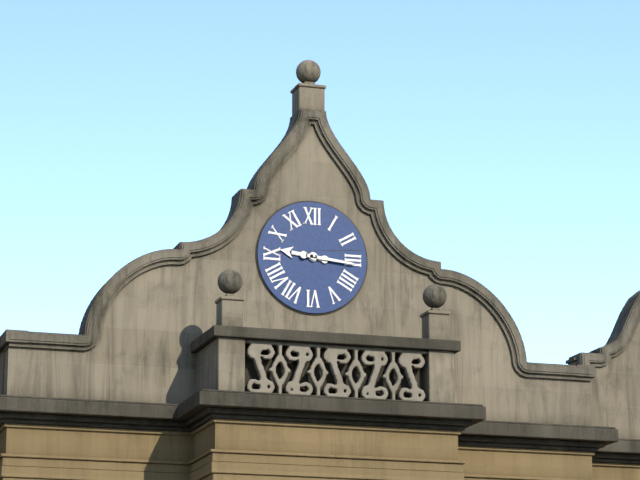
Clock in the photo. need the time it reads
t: 9:16
